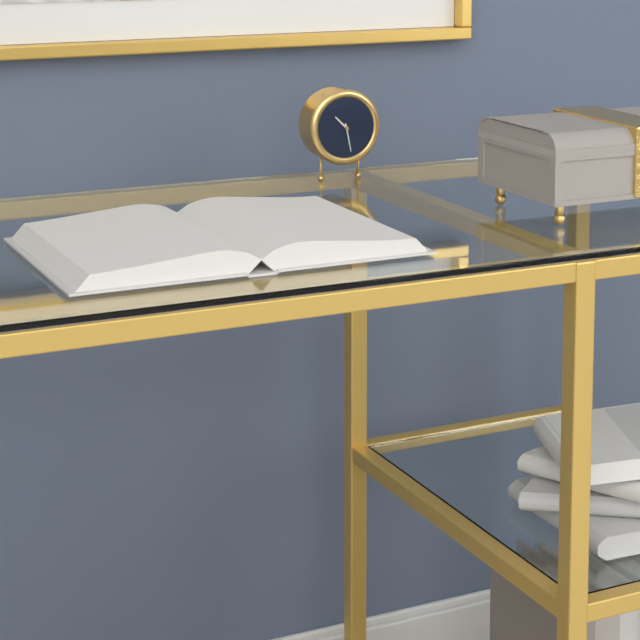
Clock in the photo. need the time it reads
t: 10:28
